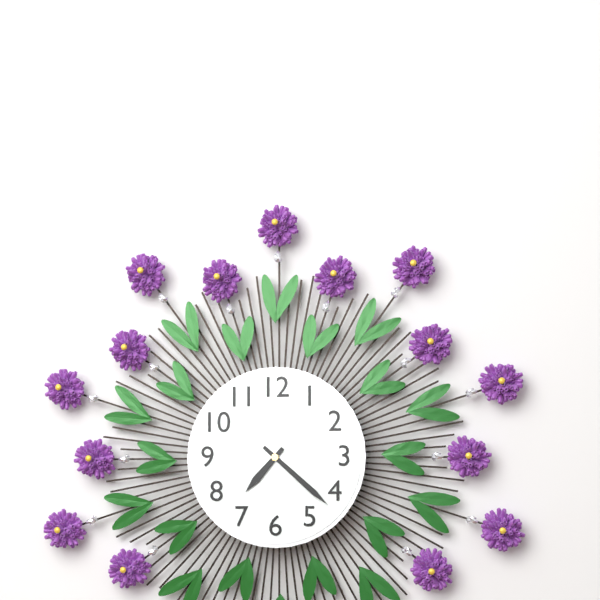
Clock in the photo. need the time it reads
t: 7:22
